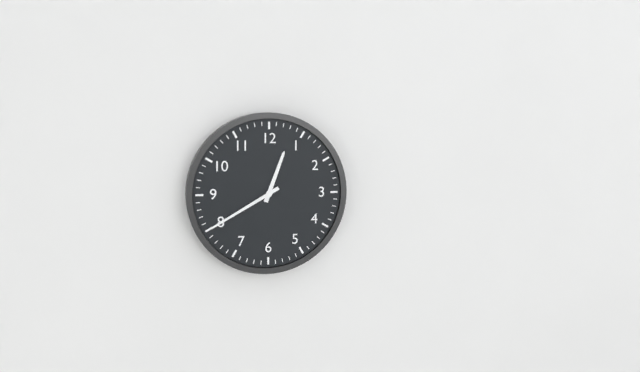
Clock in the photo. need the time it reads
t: 12:40
